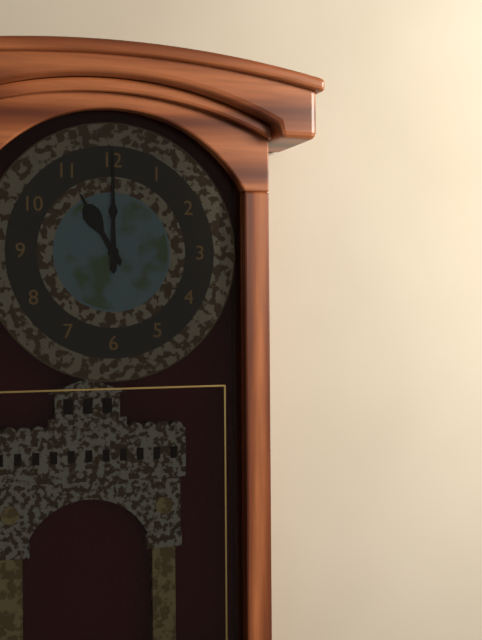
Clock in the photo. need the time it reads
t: 11:00
